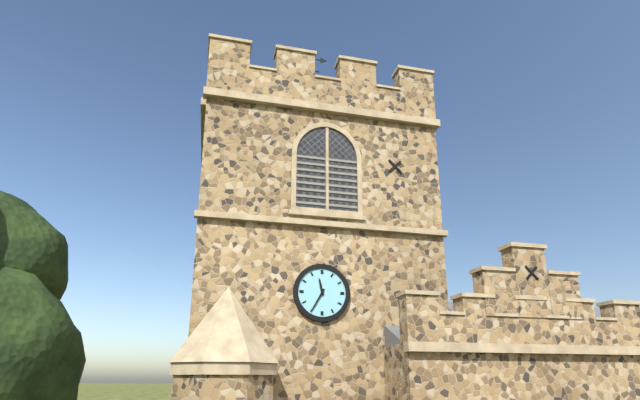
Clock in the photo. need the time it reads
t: 11:35
